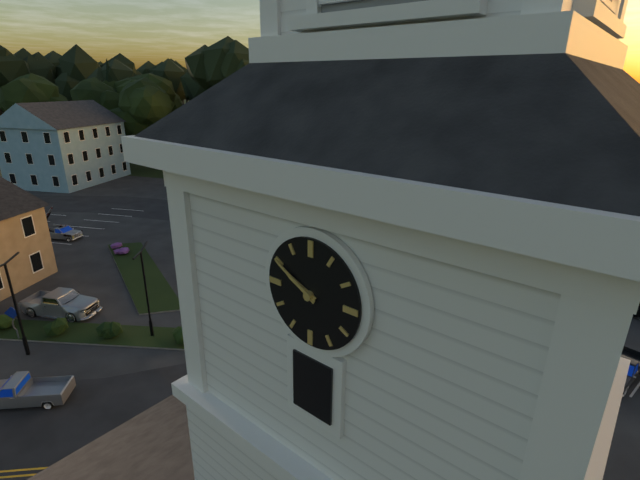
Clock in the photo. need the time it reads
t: 9:50
